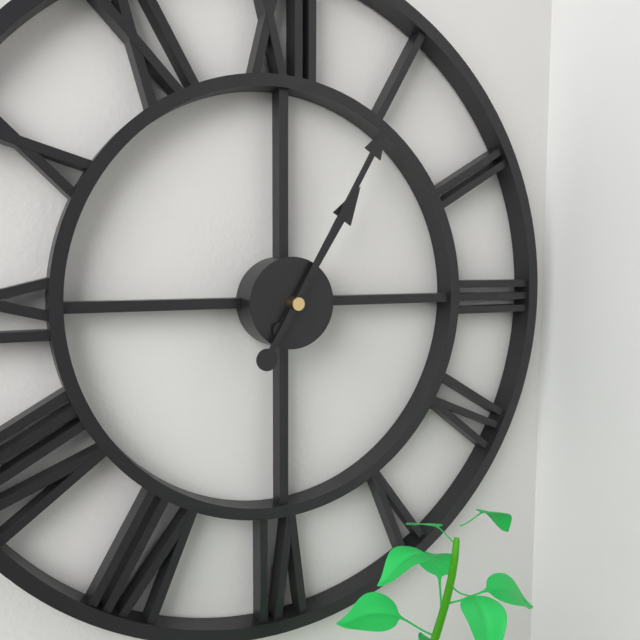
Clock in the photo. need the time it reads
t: 1:05
